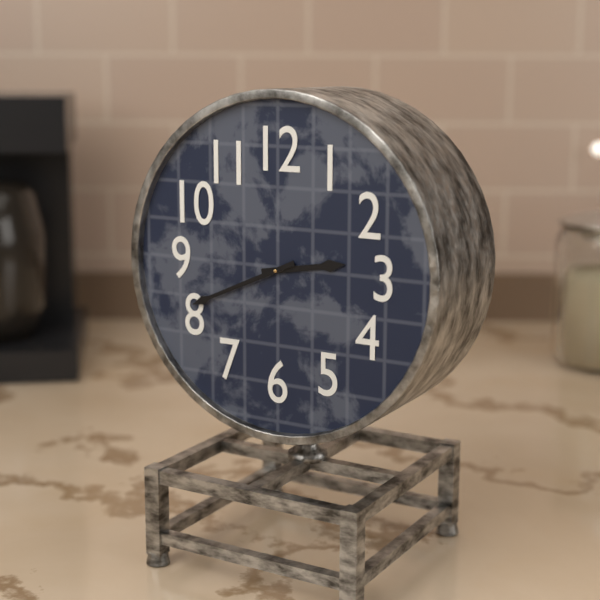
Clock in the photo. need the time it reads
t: 2:41
